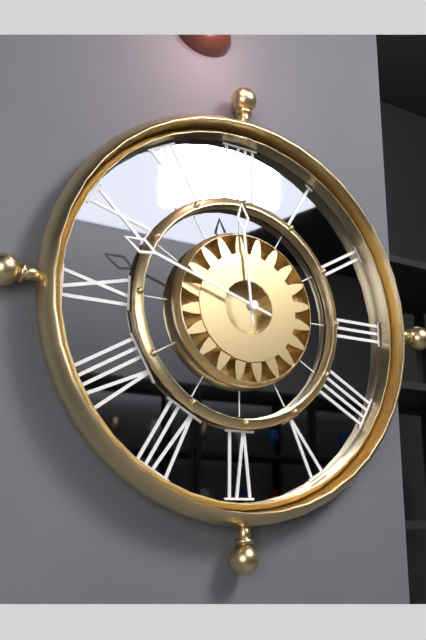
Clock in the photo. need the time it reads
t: 11:48
